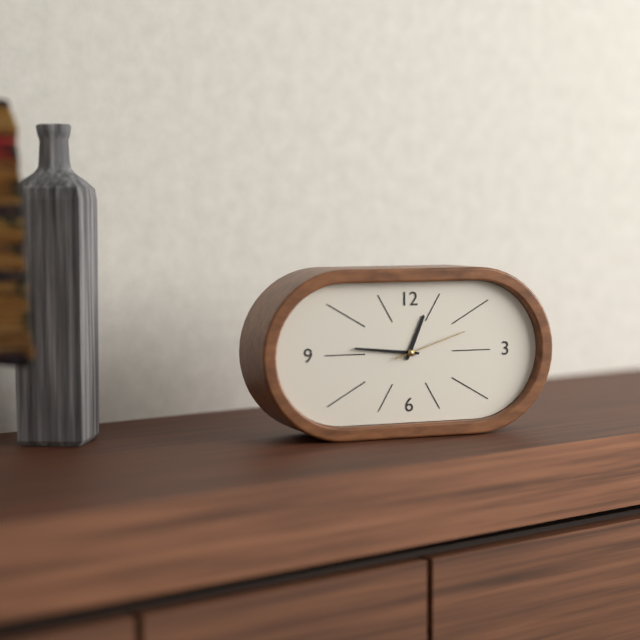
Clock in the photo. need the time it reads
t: 12:46:12
